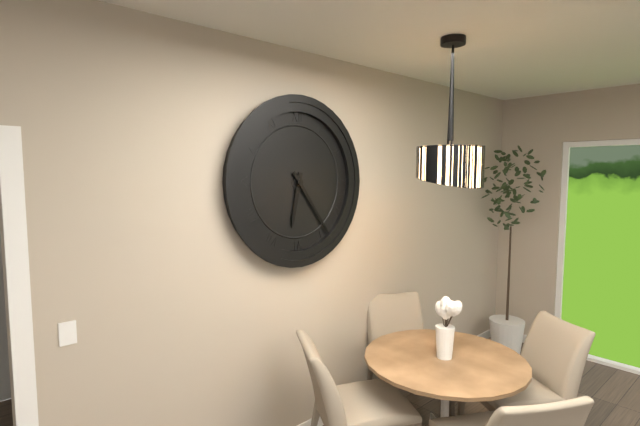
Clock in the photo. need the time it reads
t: 6:24
